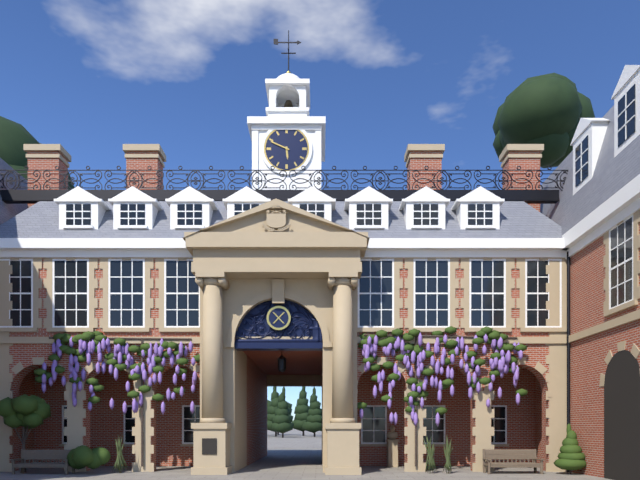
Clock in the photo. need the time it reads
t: 5:49
